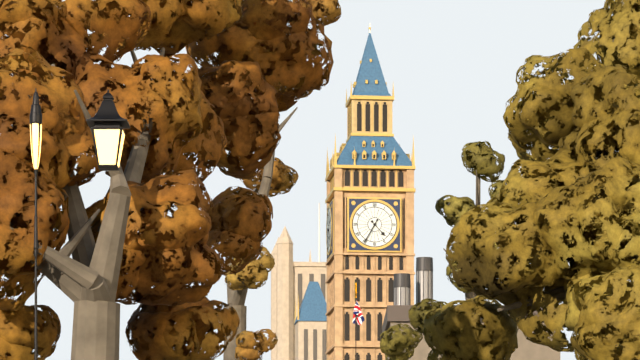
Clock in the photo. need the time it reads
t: 4:35
